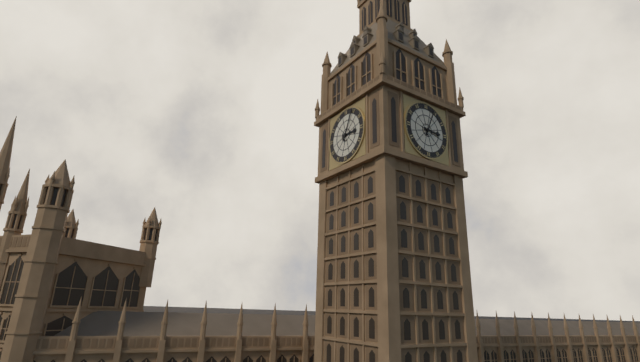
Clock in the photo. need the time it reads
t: 3:04
